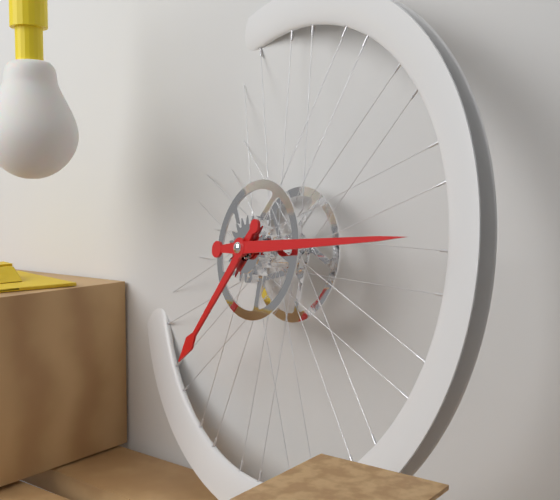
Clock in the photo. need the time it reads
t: 7:14
